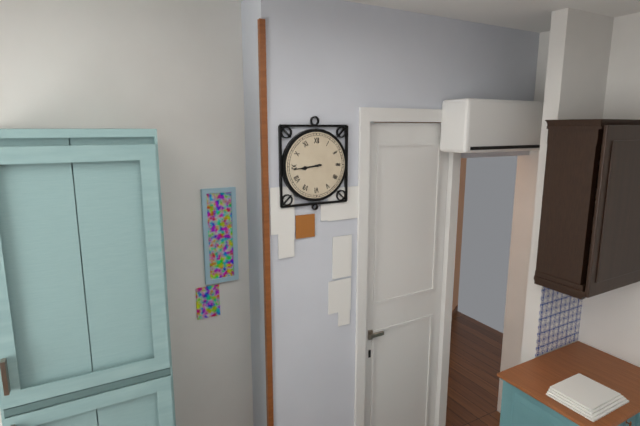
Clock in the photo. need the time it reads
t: 8:44
